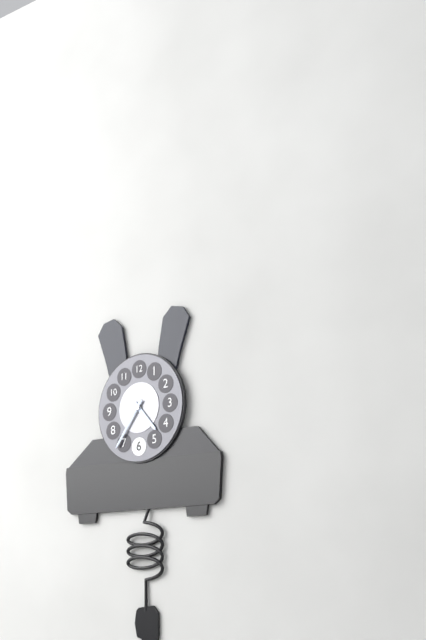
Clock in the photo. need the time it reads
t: 4:36
